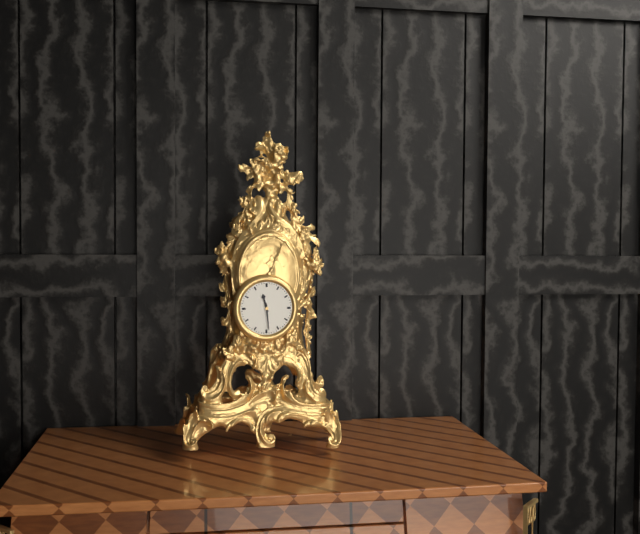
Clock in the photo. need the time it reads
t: 11:29
